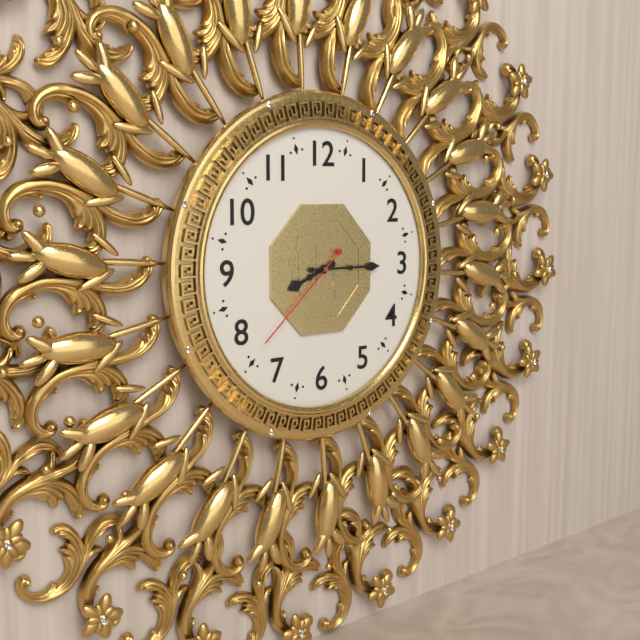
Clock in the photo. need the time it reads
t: 8:15:38
